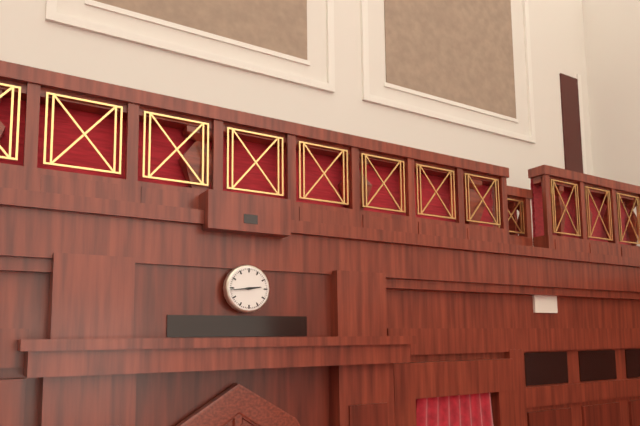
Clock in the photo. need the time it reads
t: 2:44
